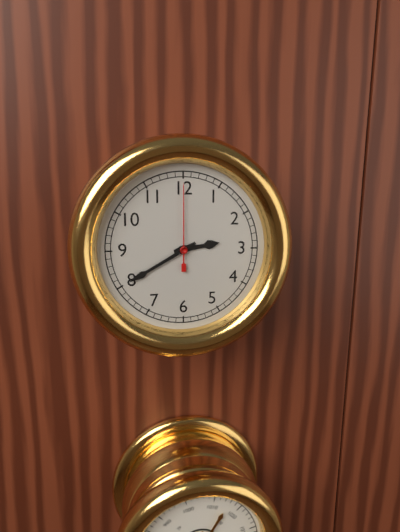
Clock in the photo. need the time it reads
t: 2:40:00
